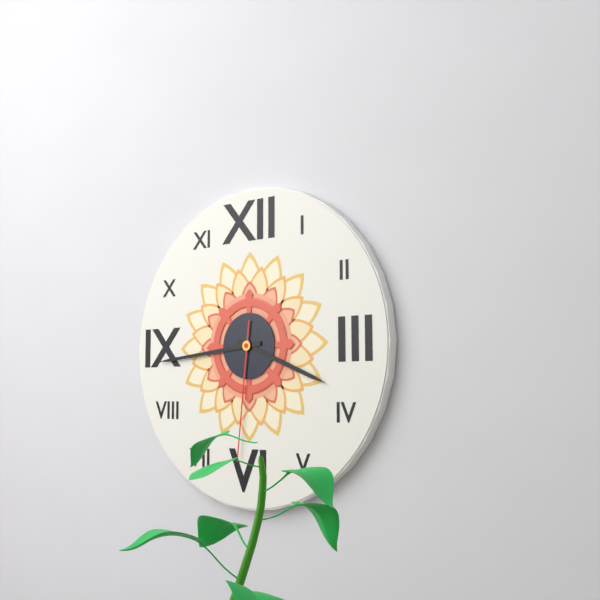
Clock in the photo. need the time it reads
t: 3:44:31
